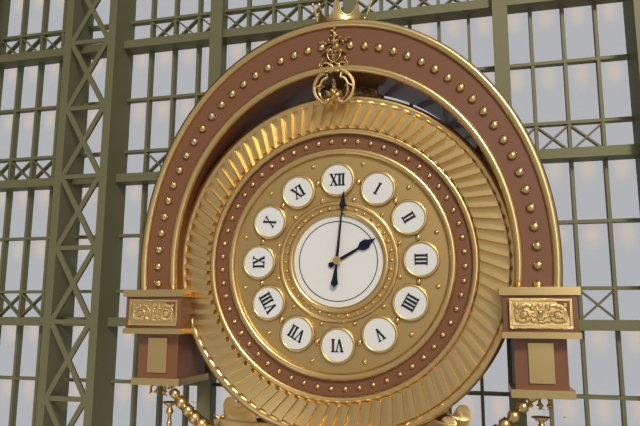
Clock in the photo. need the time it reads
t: 2:01
